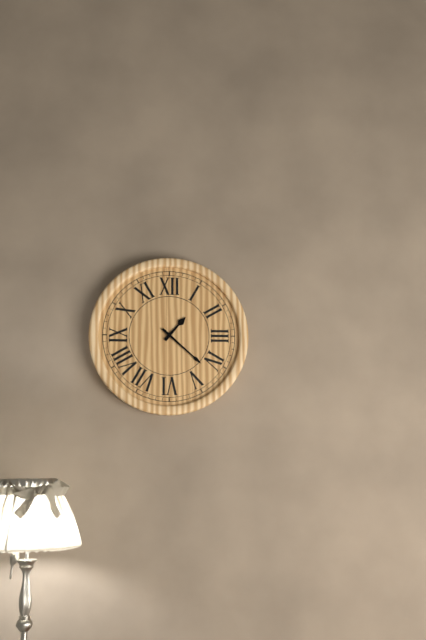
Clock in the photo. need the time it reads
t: 1:22
